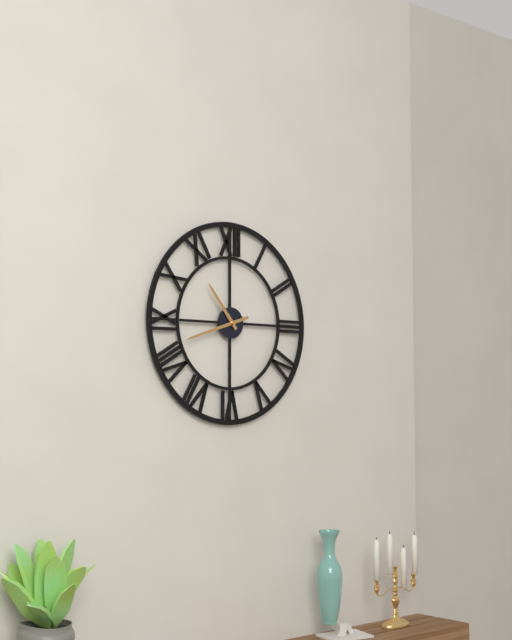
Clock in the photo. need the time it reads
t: 10:42
